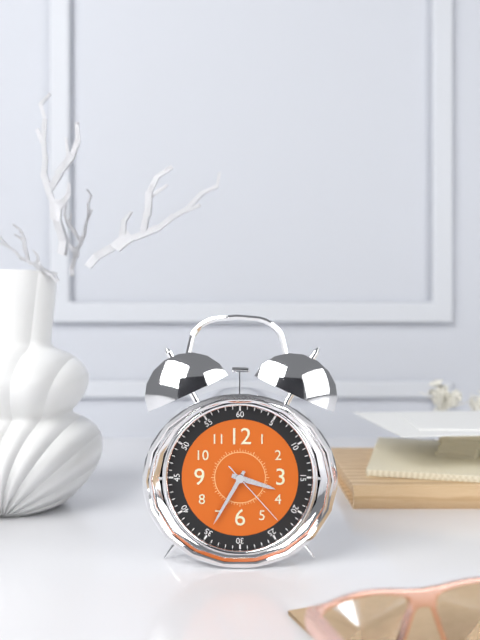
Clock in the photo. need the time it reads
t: 3:35:23
